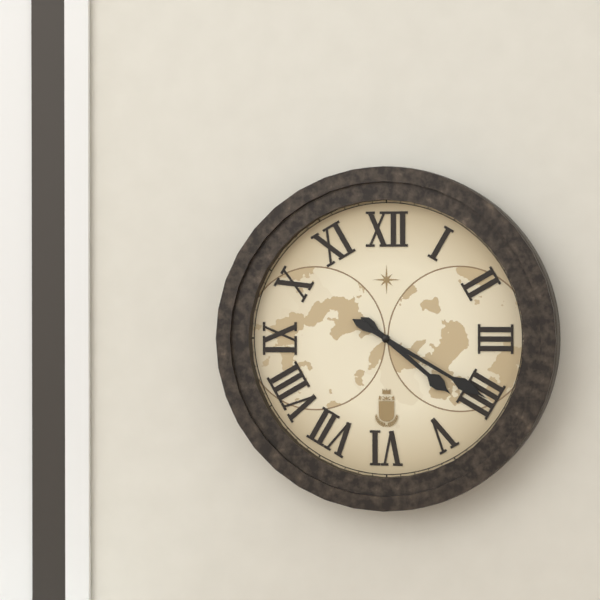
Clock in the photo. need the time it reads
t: 4:20
